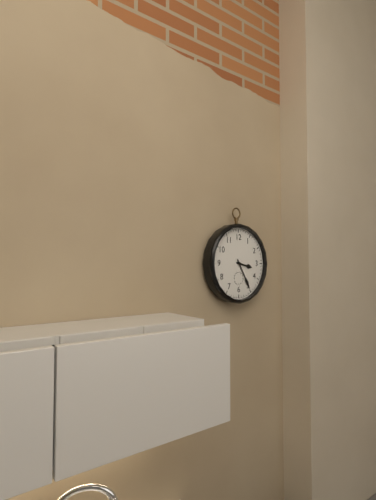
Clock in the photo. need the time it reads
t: 3:25
